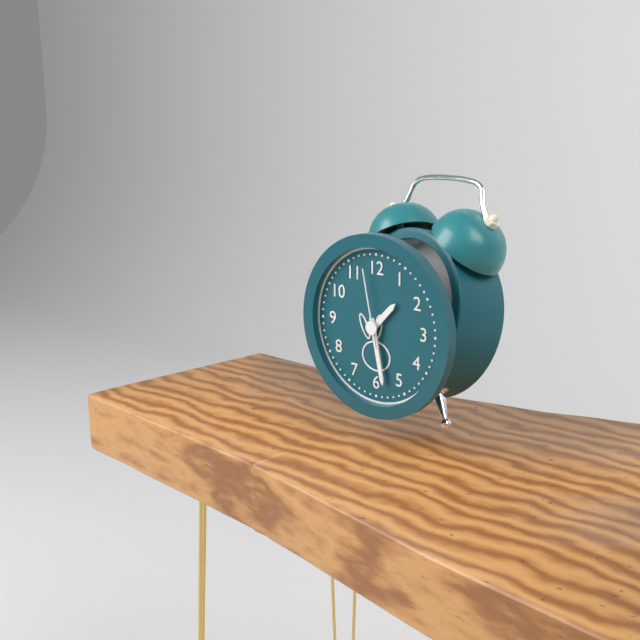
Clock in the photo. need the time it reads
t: 1:28:58
